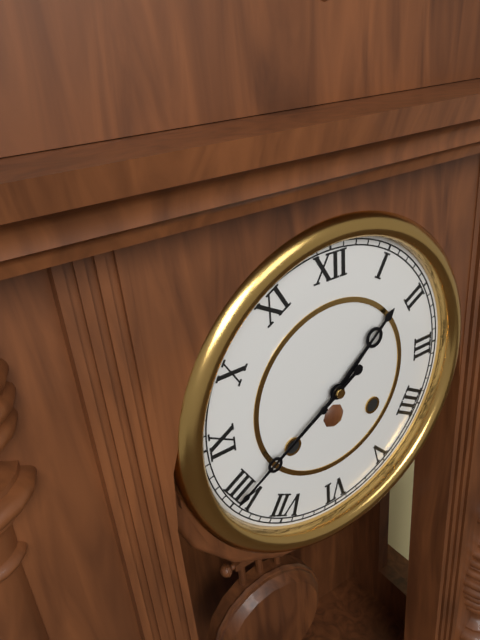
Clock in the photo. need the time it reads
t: 1:40
